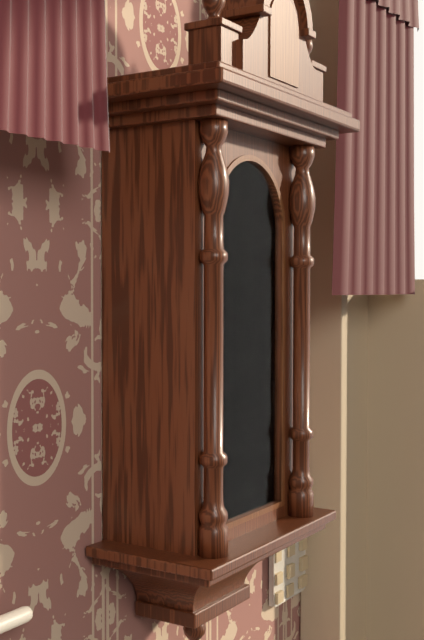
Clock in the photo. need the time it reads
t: 6:29
